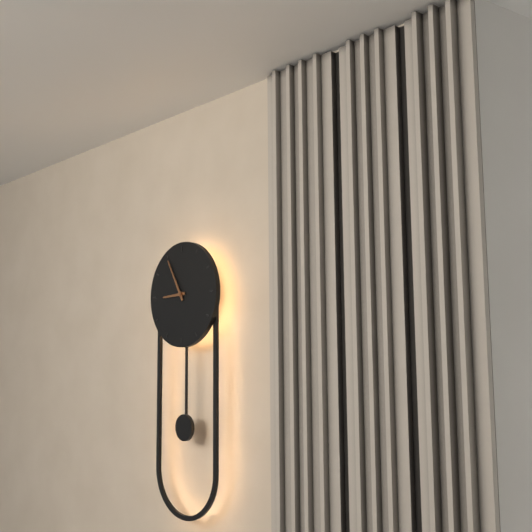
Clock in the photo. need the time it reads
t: 8:55
